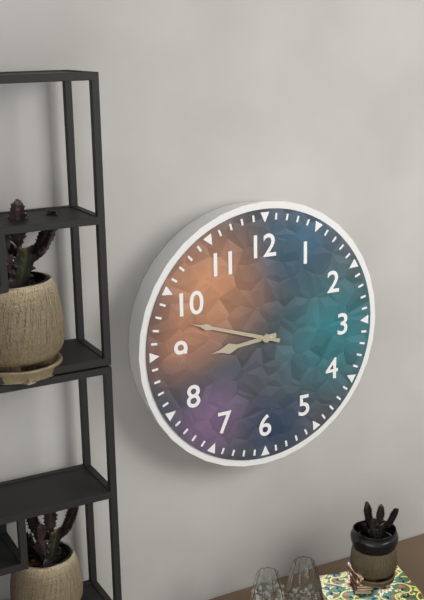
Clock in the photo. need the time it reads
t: 8:48
